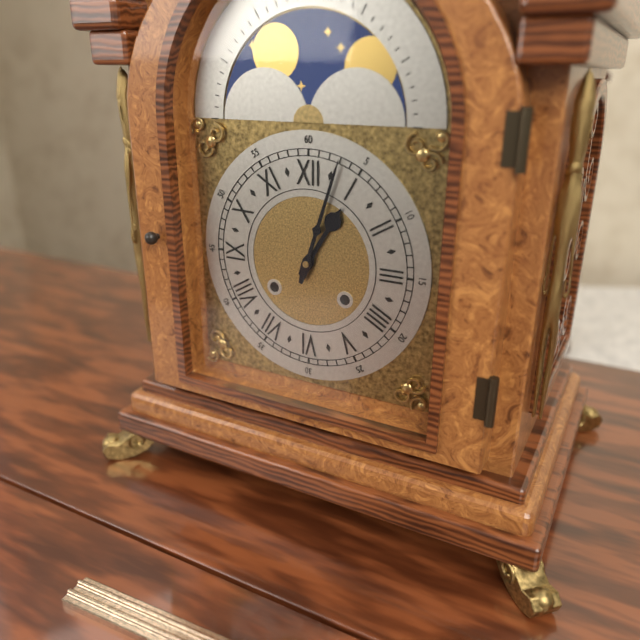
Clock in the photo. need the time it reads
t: 1:03
